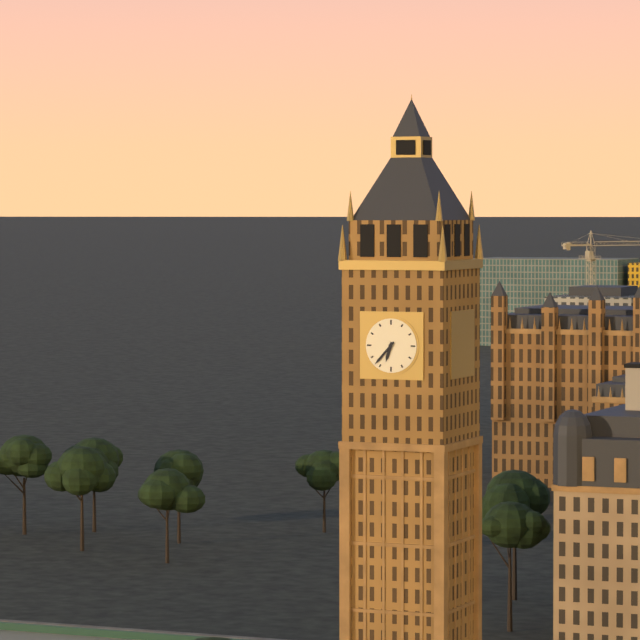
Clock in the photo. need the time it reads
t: 6:37
